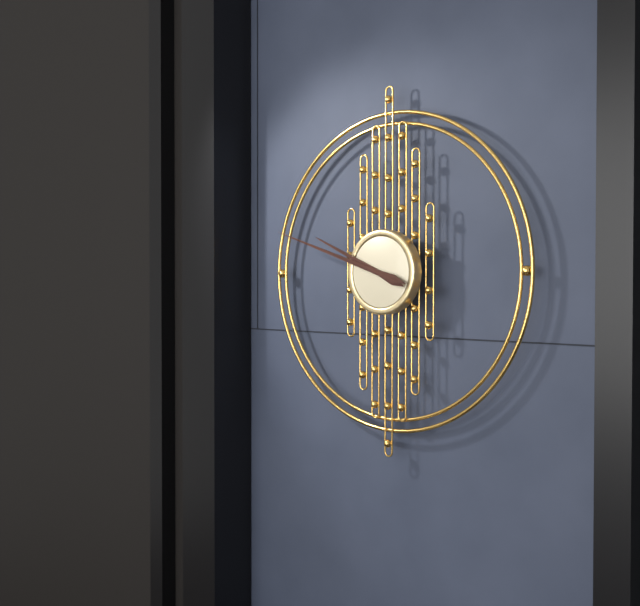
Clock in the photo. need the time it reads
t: 9:48
